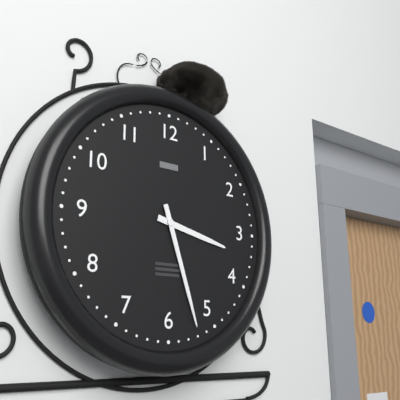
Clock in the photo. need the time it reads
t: 3:27
